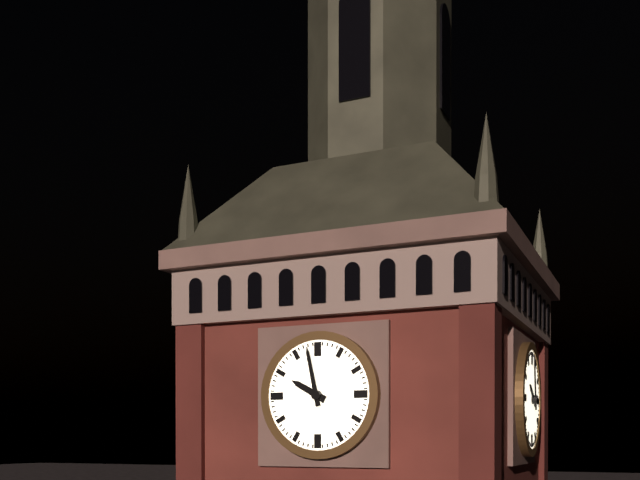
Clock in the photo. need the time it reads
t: 9:58
